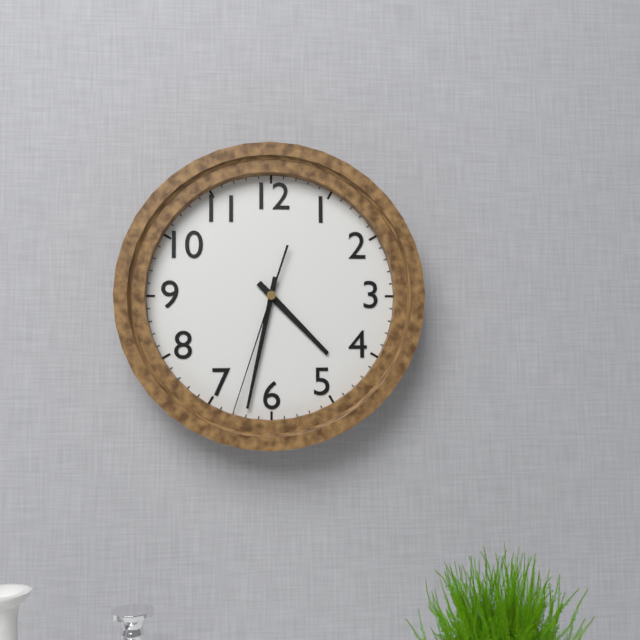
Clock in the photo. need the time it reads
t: 4:32:33
